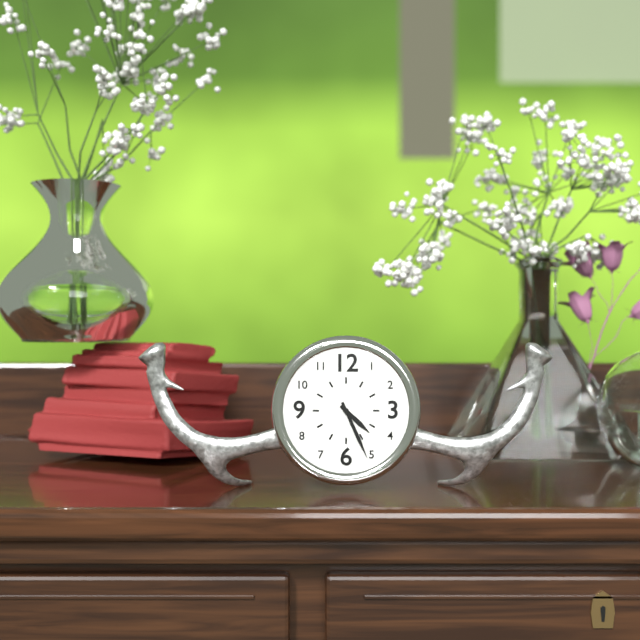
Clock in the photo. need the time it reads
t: 4:26
